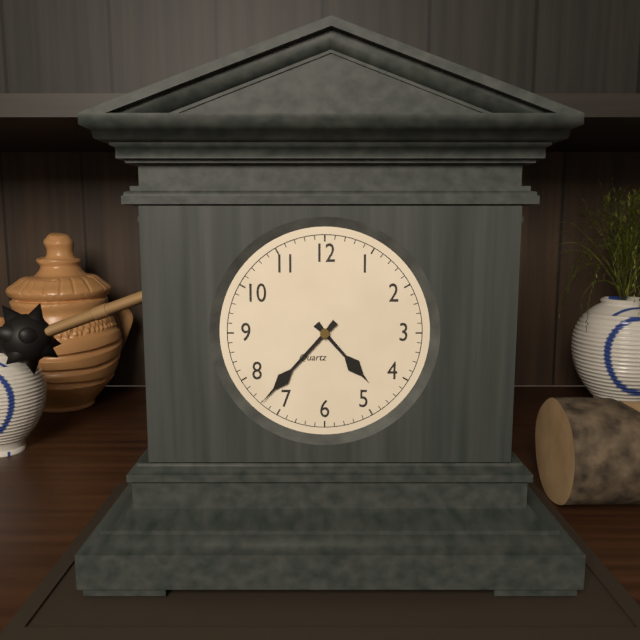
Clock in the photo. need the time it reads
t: 4:37
